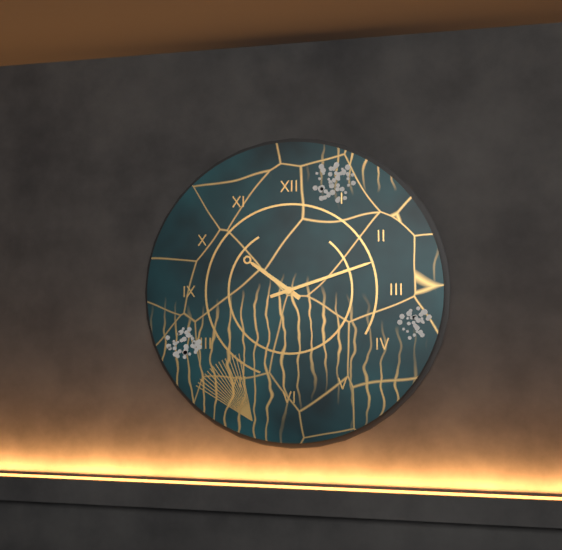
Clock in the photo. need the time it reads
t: 10:12
